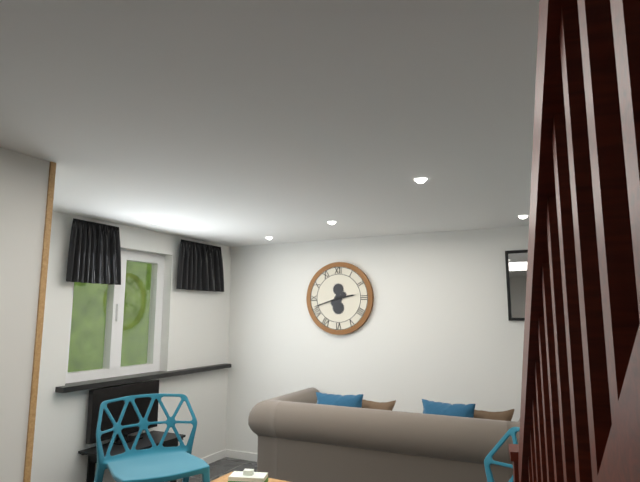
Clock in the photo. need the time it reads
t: 2:42
